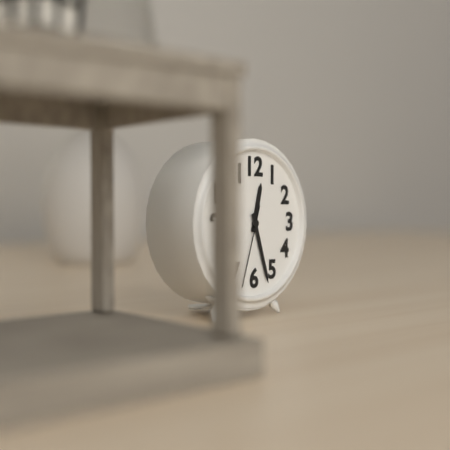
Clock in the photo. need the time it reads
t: 12:27:33
